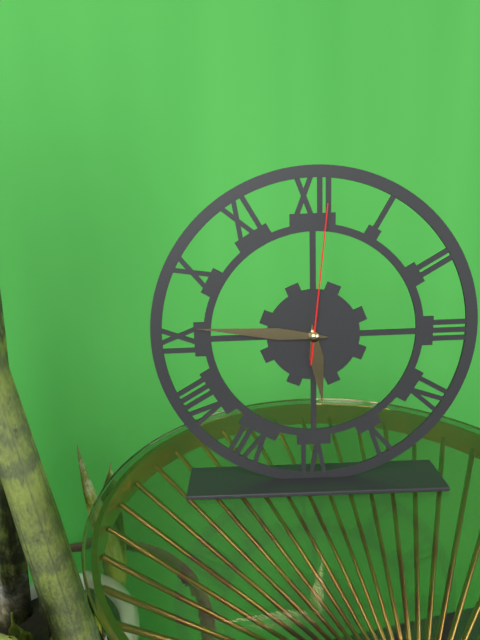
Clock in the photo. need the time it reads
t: 5:46:01
